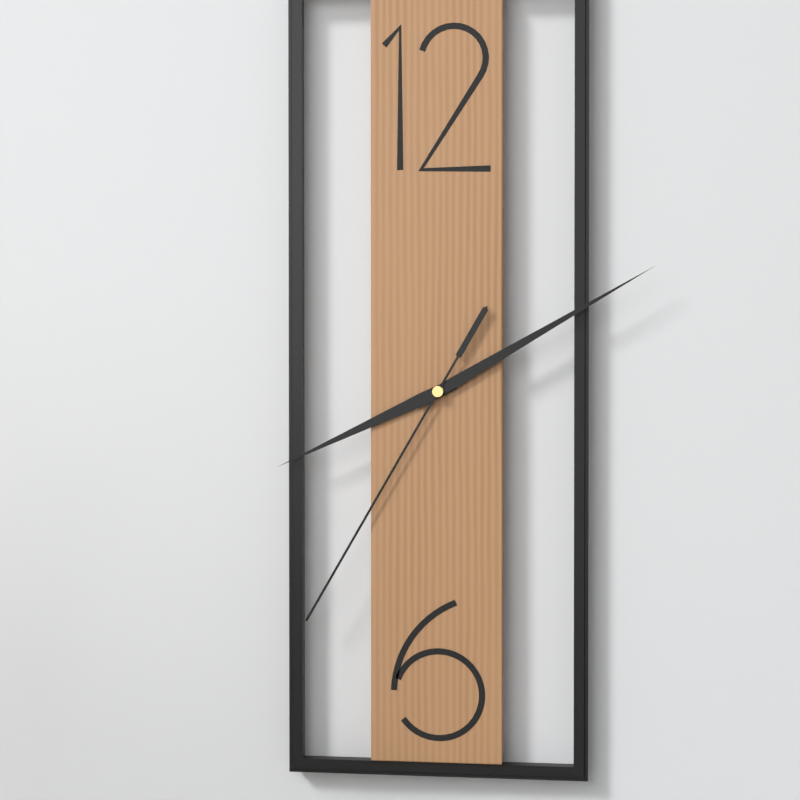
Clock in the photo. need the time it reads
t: 8:10:35
